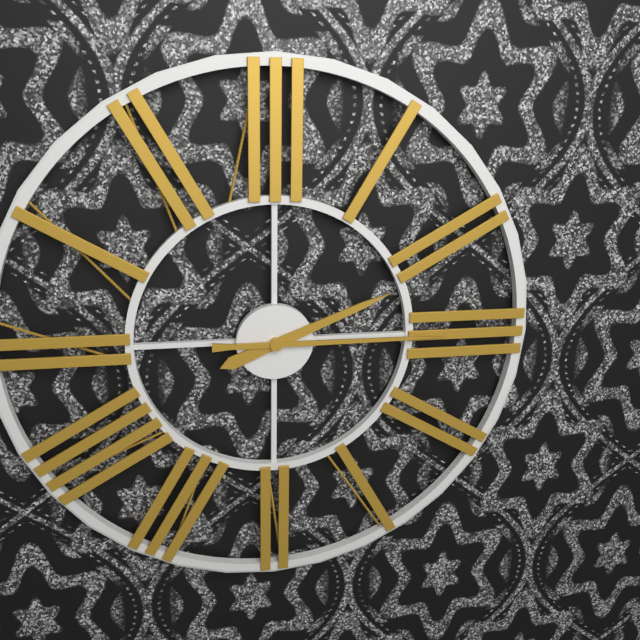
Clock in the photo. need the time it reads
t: 2:15
